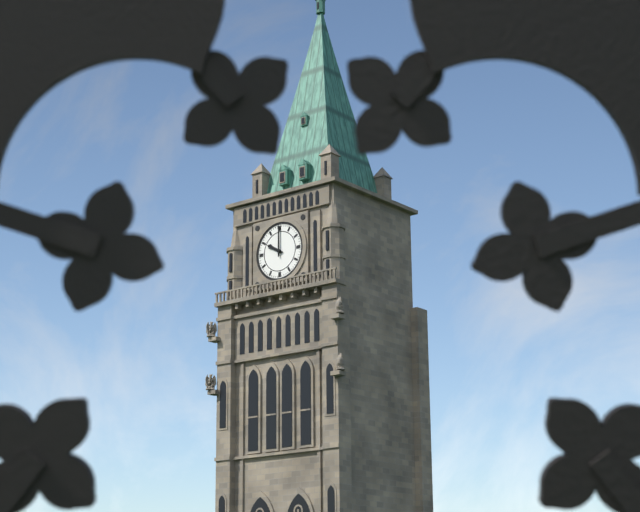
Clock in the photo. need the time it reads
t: 10:00
